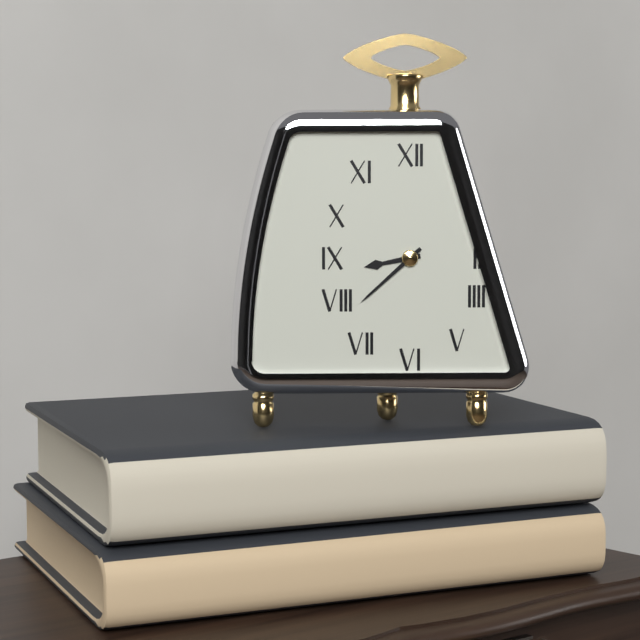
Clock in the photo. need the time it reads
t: 8:38
